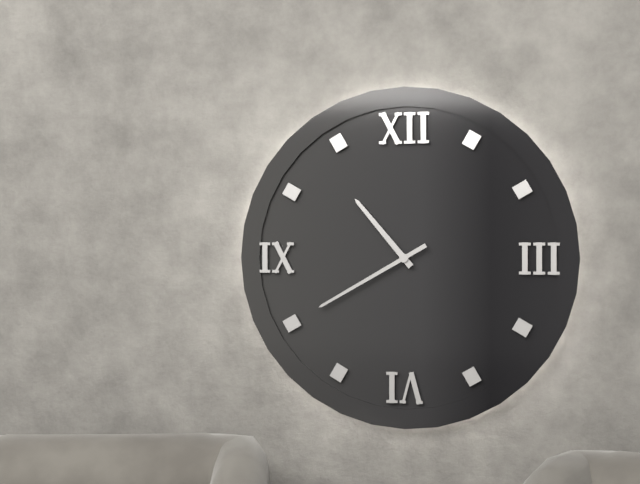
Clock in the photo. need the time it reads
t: 10:40
